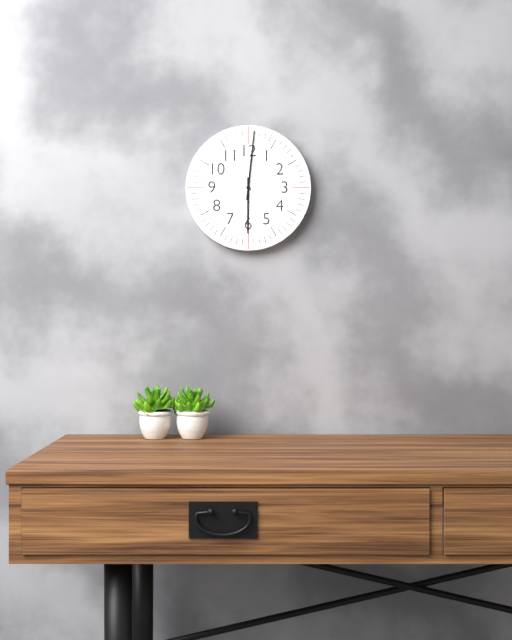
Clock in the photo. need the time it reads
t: 6:01
